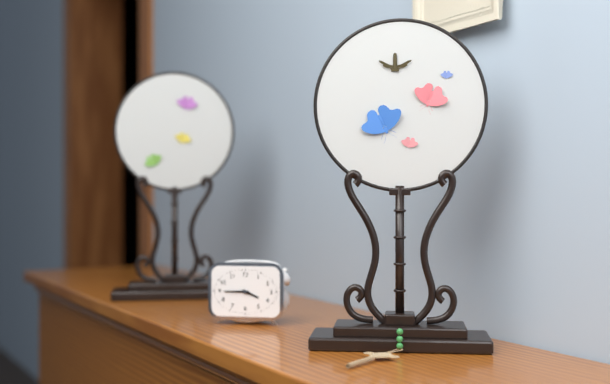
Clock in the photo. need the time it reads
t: 3:45
